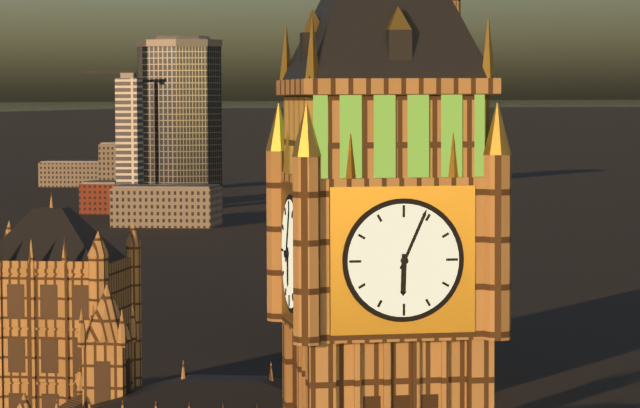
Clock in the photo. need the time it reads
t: 6:04
